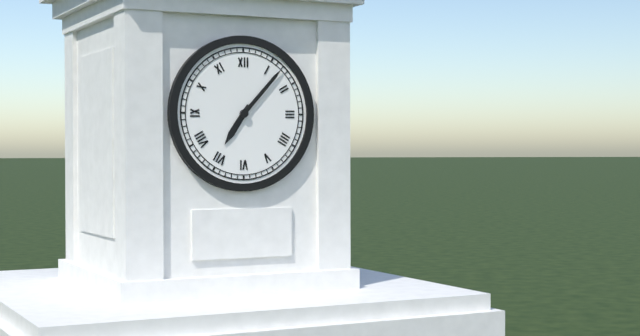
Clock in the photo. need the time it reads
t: 7:07
